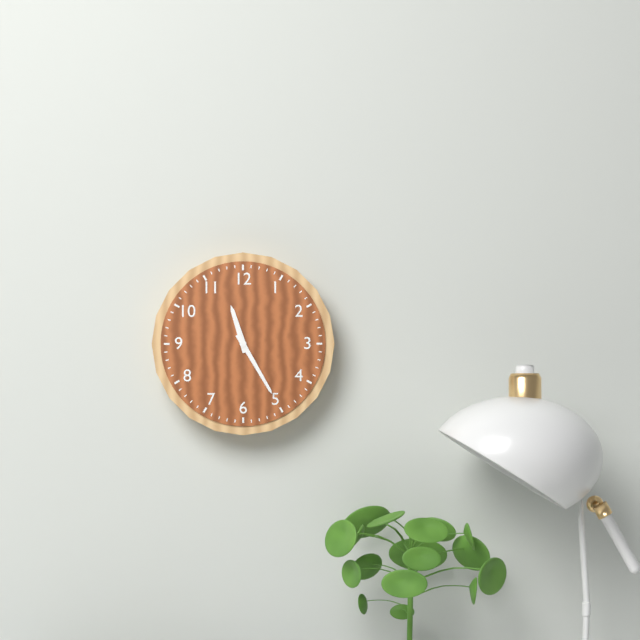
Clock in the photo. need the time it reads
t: 11:25
